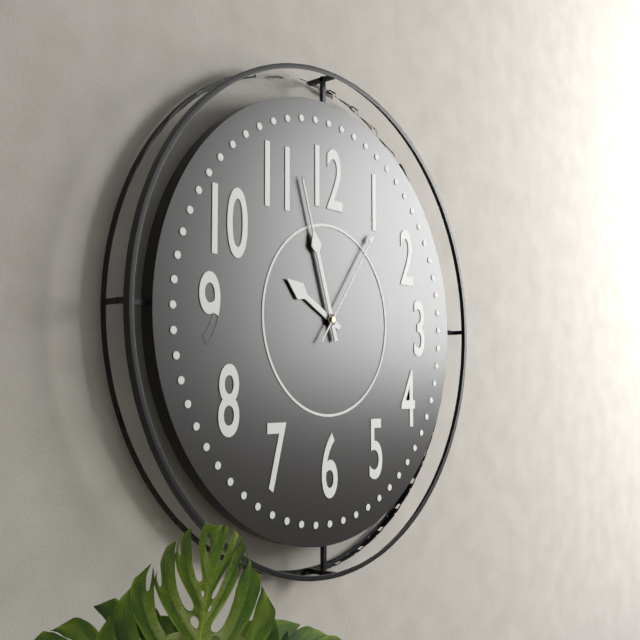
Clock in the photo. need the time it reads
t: 9:57:06
